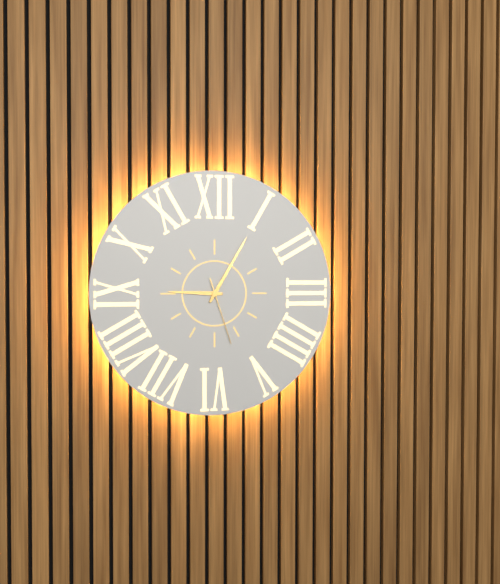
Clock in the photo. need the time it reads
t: 9:05:27
